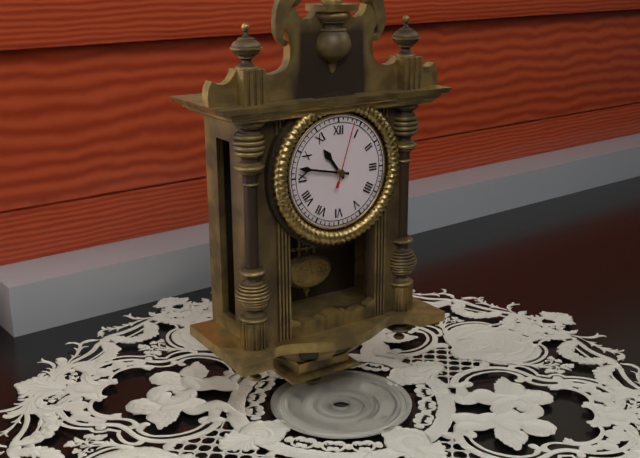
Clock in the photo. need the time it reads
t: 10:47:03
